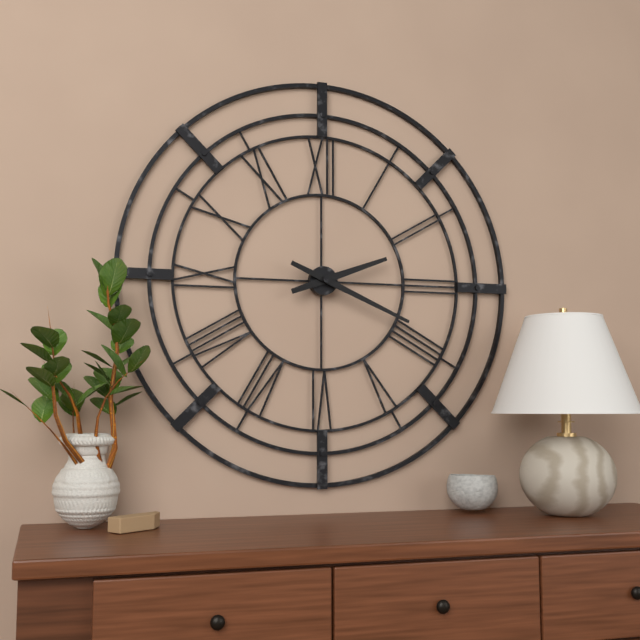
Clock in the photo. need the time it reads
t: 2:19
